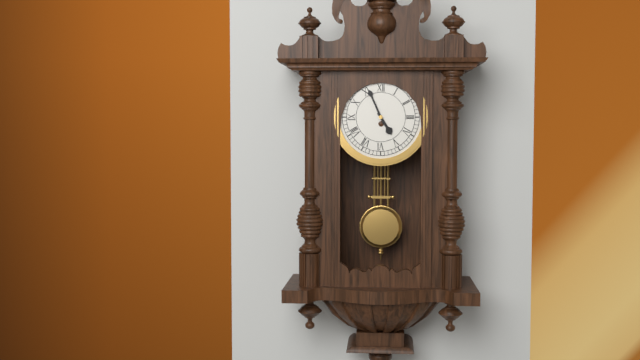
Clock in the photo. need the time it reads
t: 4:56
